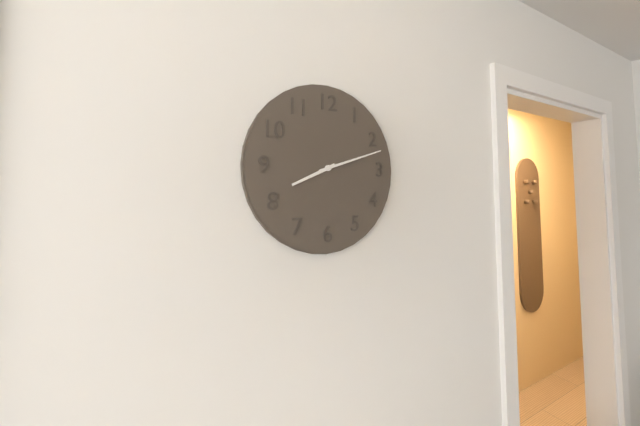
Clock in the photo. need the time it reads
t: 8:12
